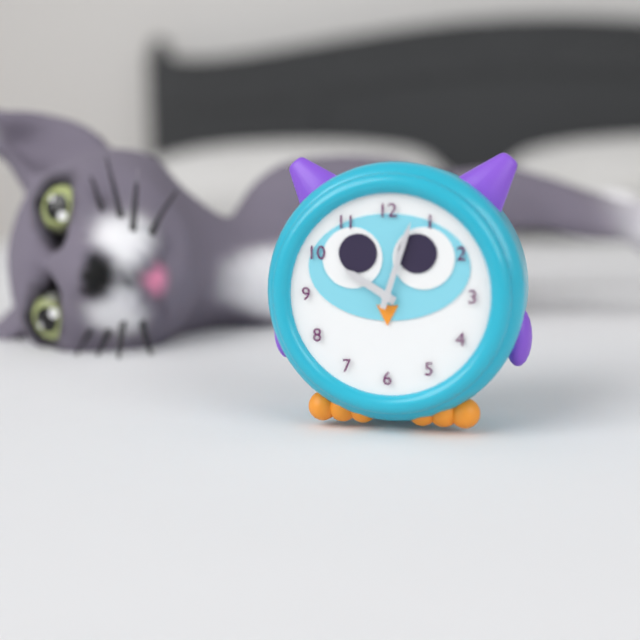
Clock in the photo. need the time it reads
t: 10:03
